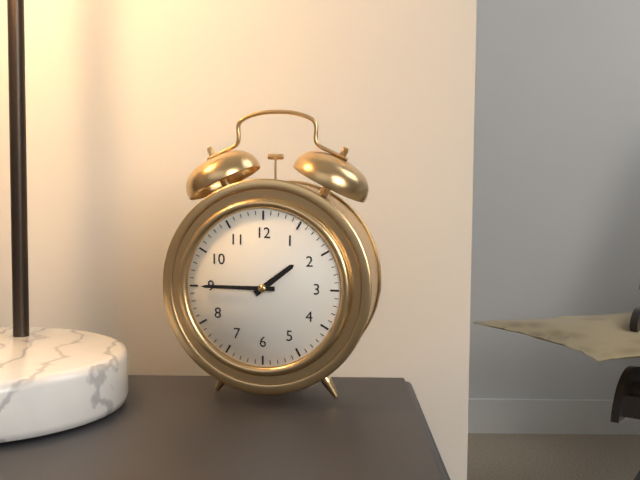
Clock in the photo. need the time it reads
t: 1:45
